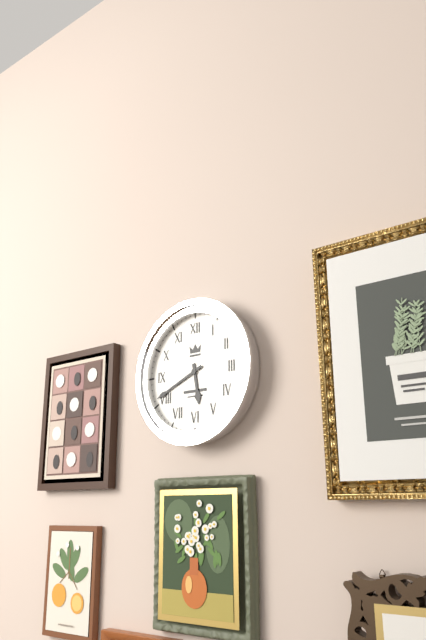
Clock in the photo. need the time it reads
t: 5:41
